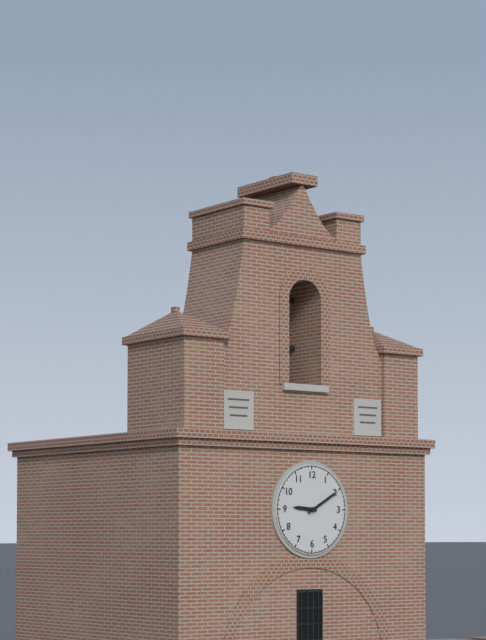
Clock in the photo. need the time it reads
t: 9:10
